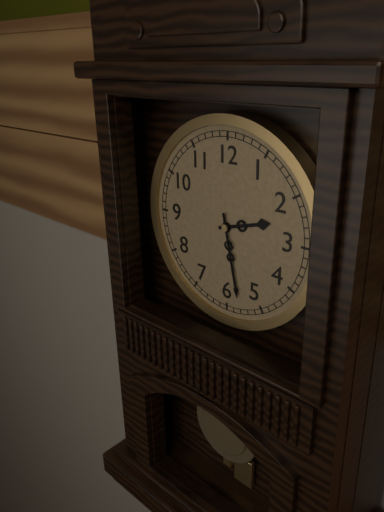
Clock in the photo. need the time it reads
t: 2:28
